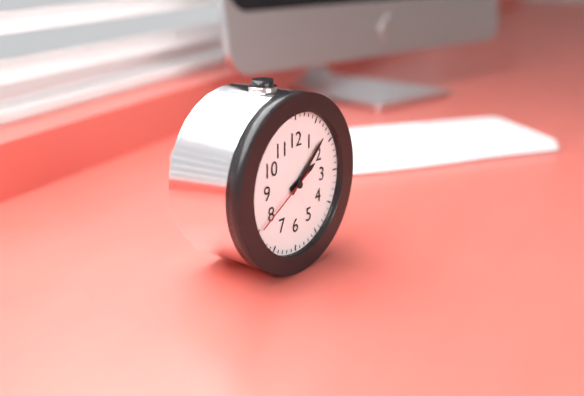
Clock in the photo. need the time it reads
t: 2:08:40
